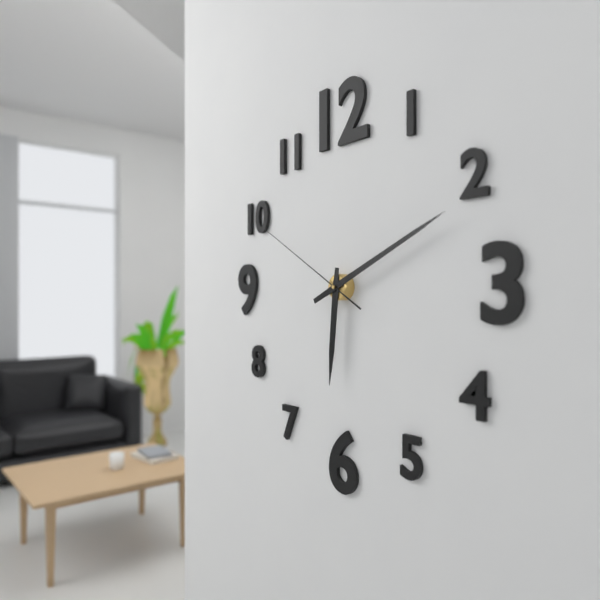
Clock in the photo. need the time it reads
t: 6:11:50
